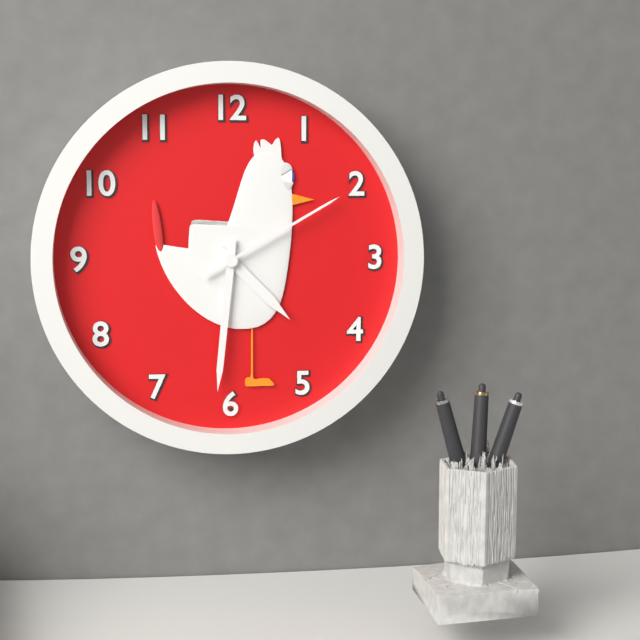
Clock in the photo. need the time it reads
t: 4:31:10
